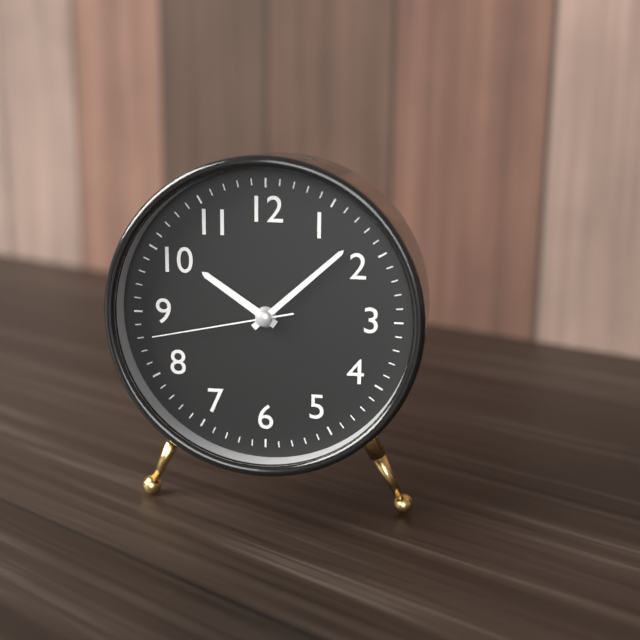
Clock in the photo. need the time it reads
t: 10:08:43
